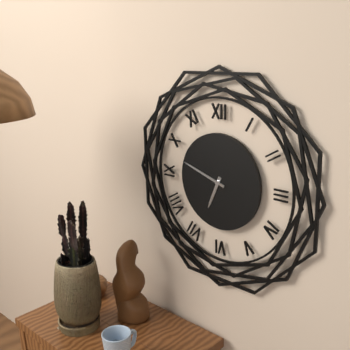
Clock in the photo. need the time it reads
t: 6:48
